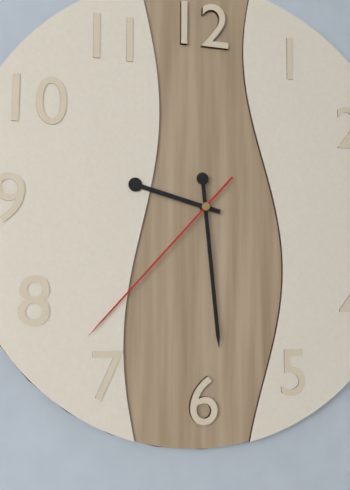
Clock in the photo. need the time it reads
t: 9:29:37
